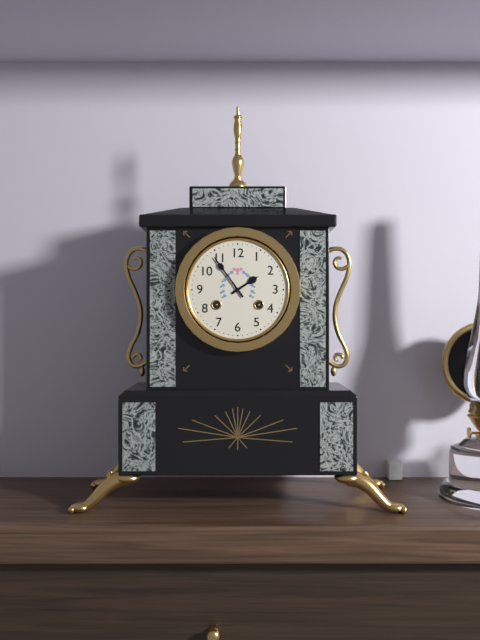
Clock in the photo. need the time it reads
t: 1:54
